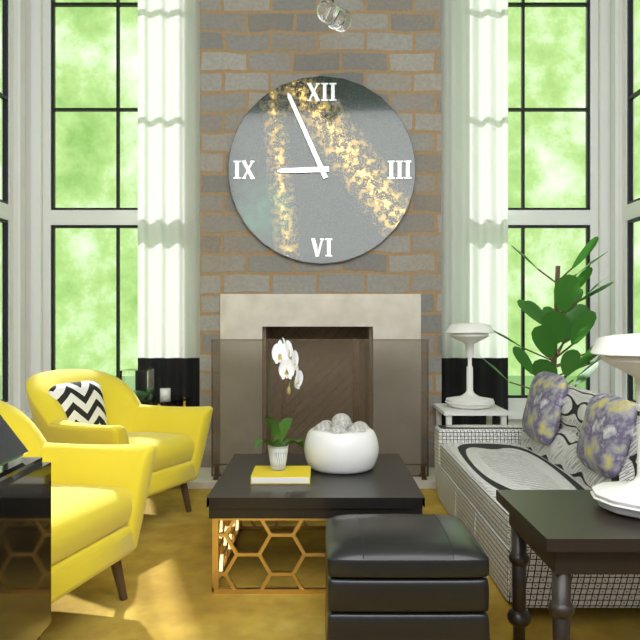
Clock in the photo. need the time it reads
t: 8:56
